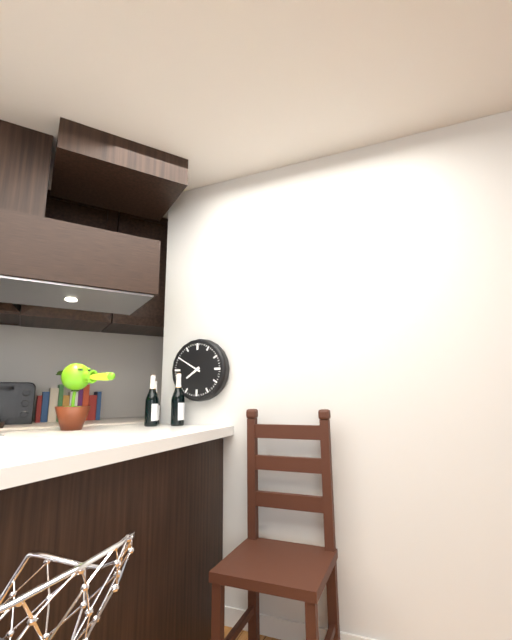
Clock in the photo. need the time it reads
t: 7:50
